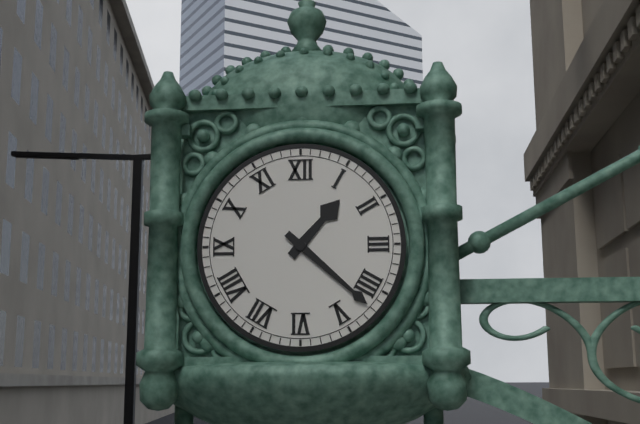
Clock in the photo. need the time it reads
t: 1:22
